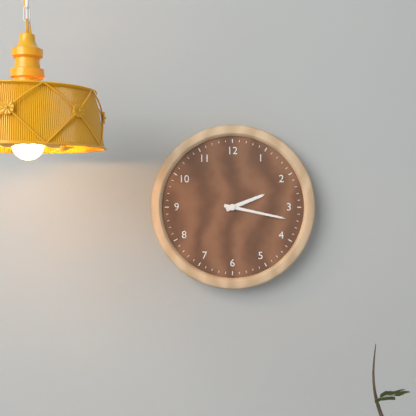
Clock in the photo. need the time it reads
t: 2:17
